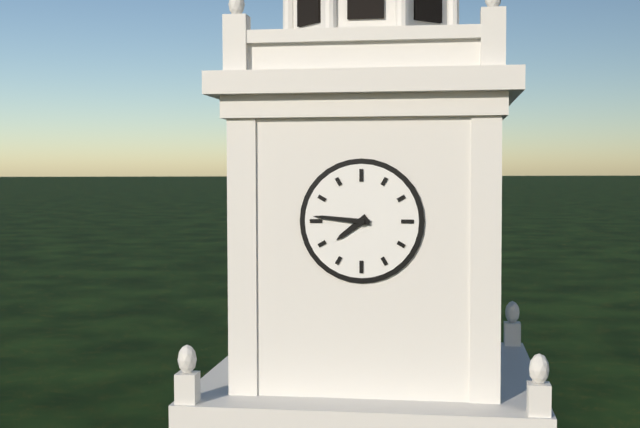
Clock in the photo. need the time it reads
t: 7:46
